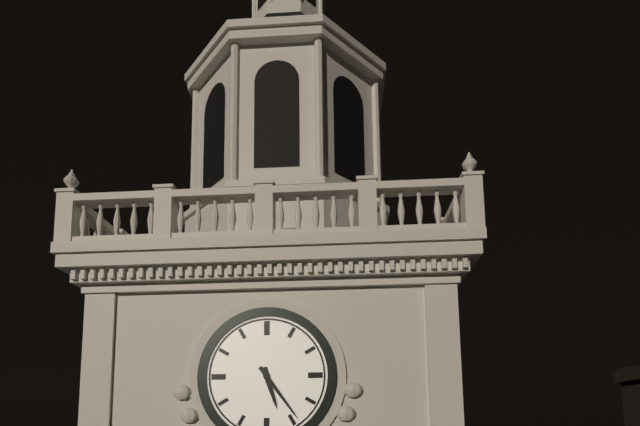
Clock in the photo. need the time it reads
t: 5:24
